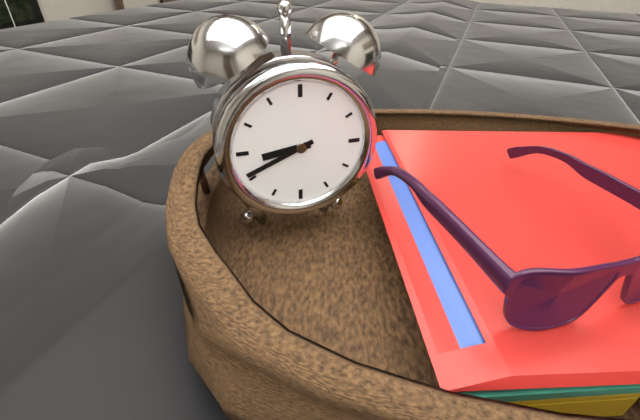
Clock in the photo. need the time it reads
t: 8:41
